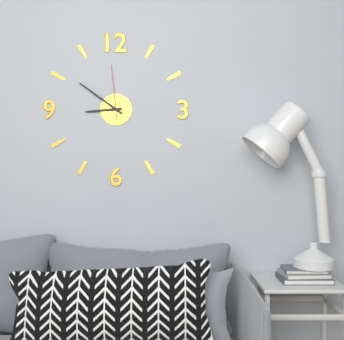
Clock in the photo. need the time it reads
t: 8:51:59
